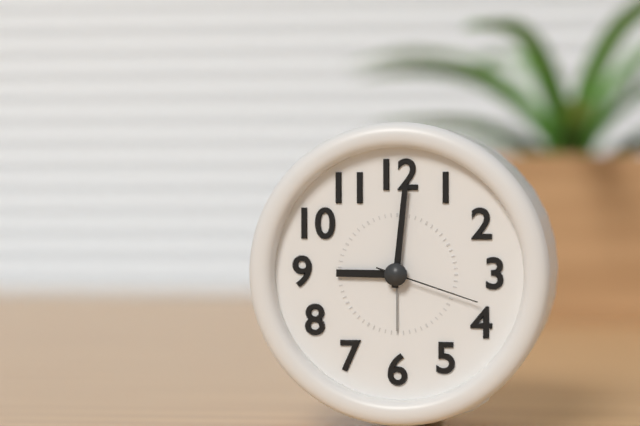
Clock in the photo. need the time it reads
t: 9:01:18
